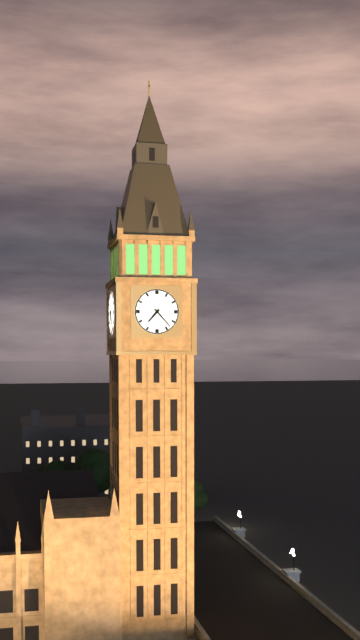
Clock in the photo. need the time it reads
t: 7:23
